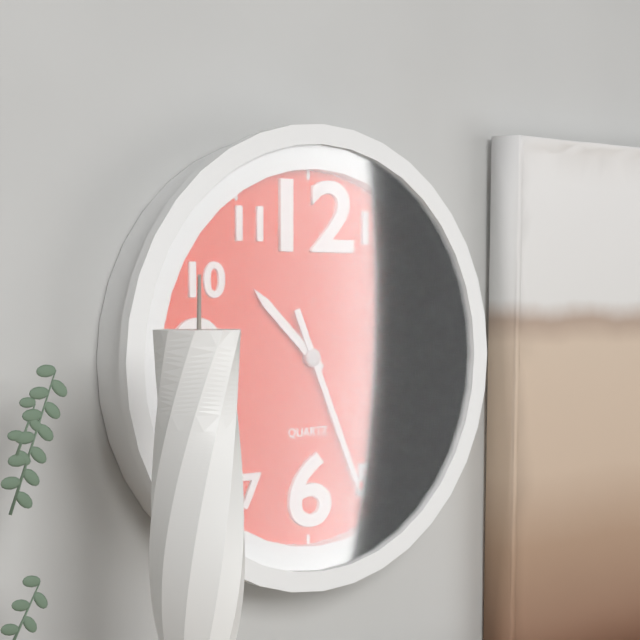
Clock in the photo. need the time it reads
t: 10:26
